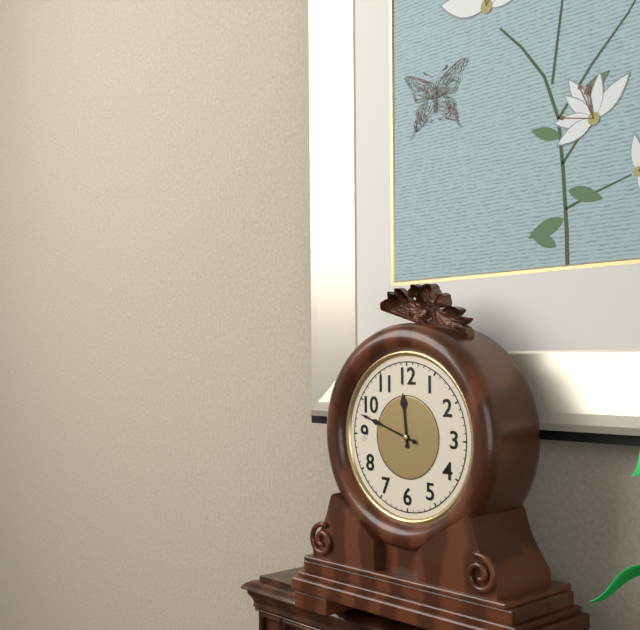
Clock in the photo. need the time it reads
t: 11:48
